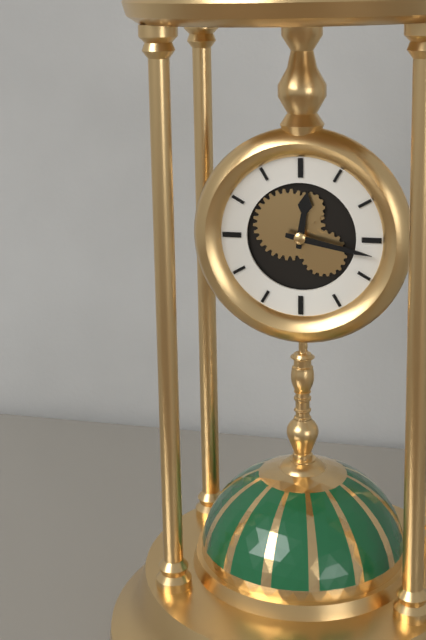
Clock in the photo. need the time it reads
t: 12:17
